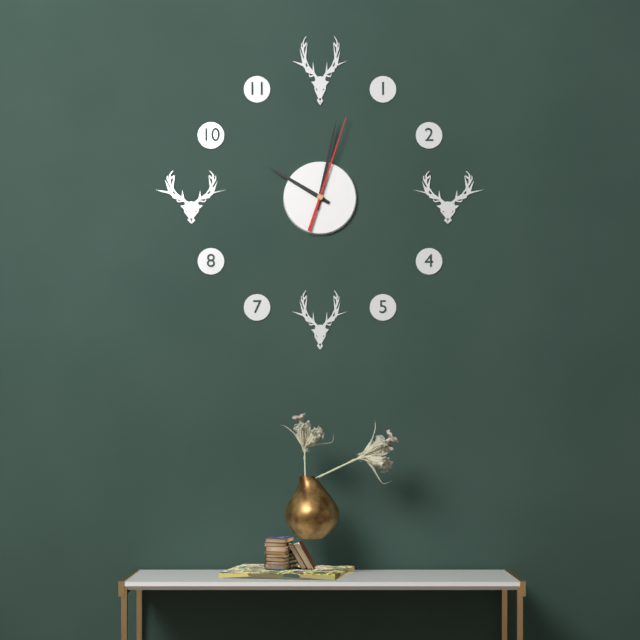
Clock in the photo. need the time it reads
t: 10:02:03
